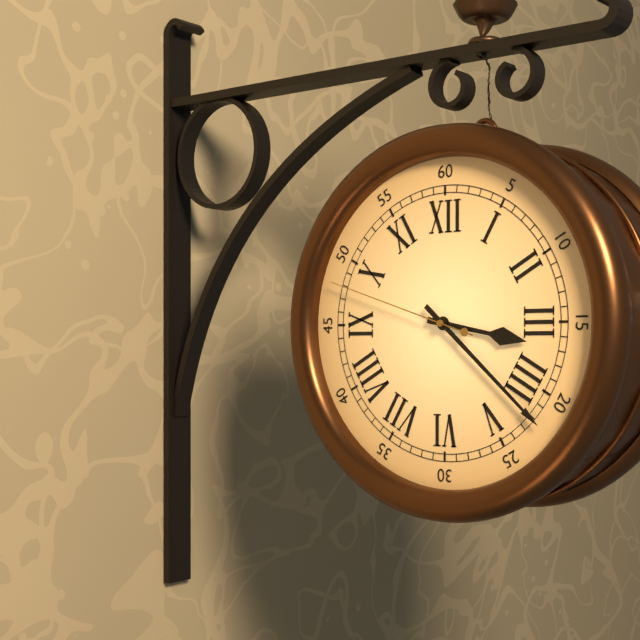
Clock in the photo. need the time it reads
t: 3:22:48
